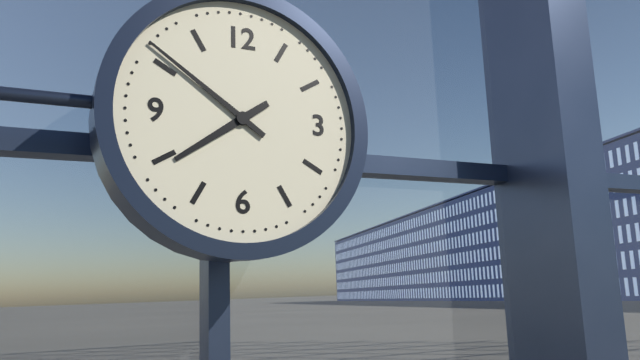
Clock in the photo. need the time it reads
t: 7:51
